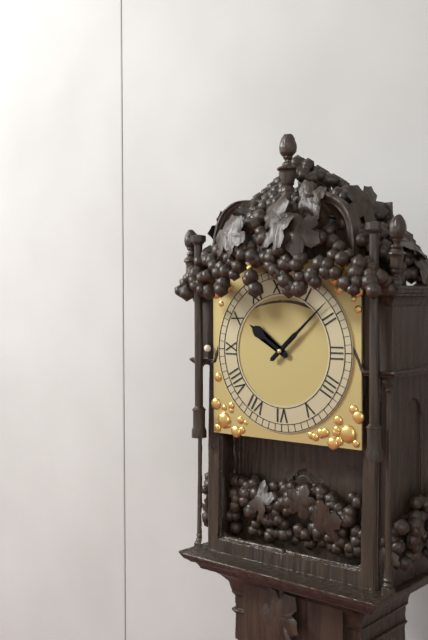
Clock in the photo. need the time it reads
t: 10:08
